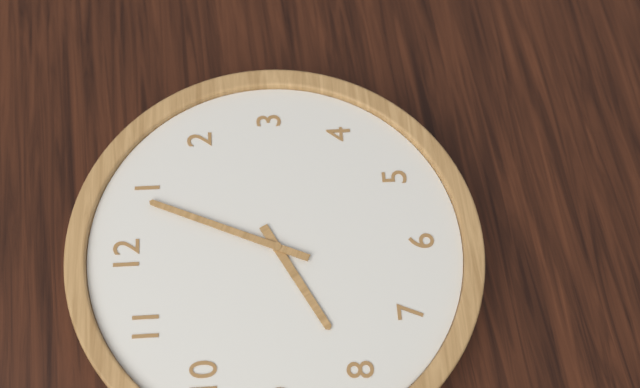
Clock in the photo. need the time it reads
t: 8:04
